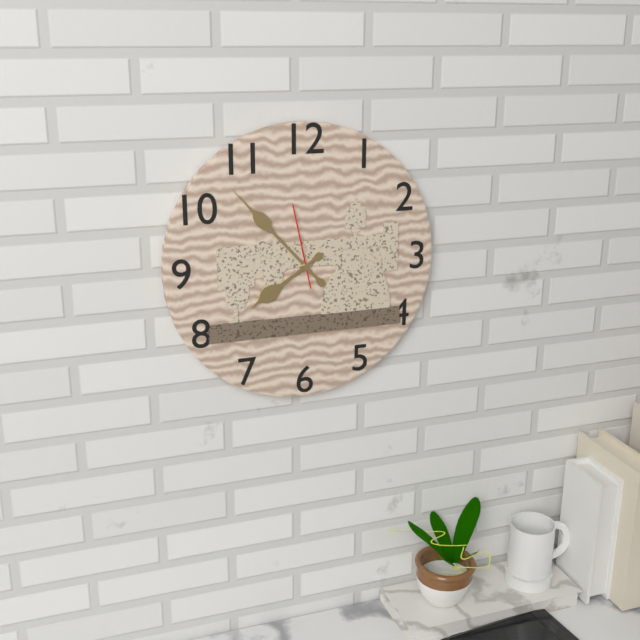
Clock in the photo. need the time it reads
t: 7:53:58
